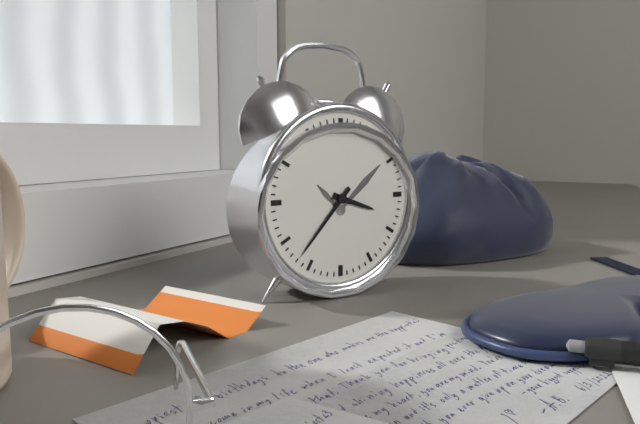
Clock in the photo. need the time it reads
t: 3:37
